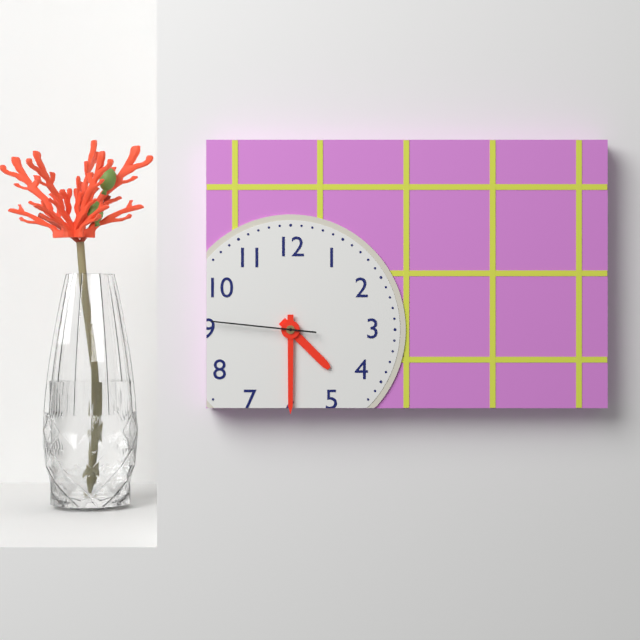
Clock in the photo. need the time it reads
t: 4:30:46
